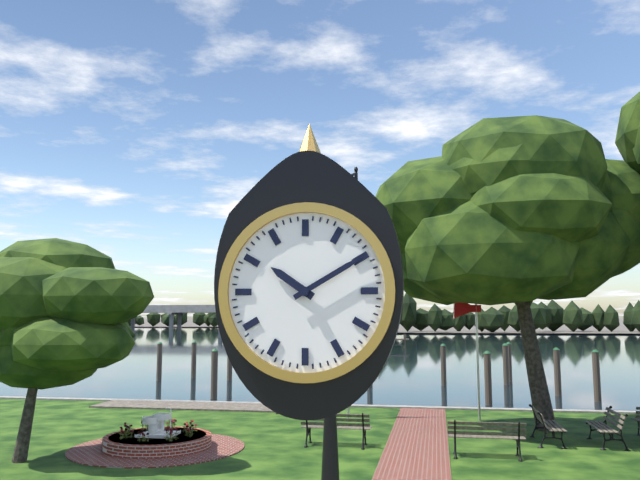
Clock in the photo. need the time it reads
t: 10:10
